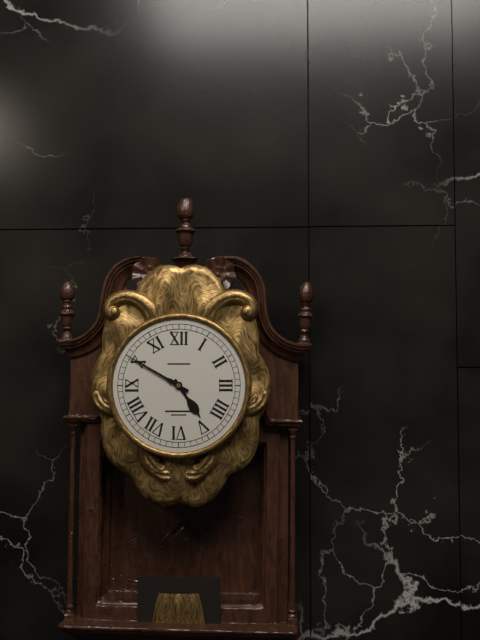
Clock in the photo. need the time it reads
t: 4:50
